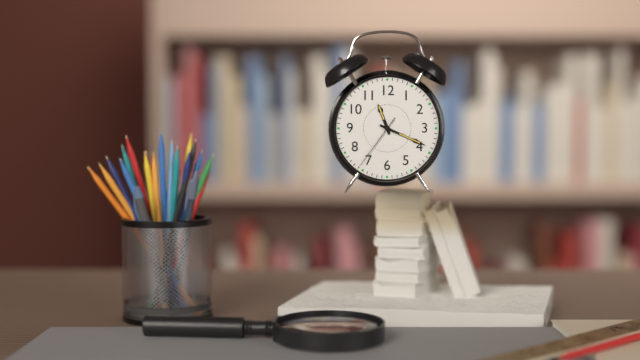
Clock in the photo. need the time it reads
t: 11:19:36
